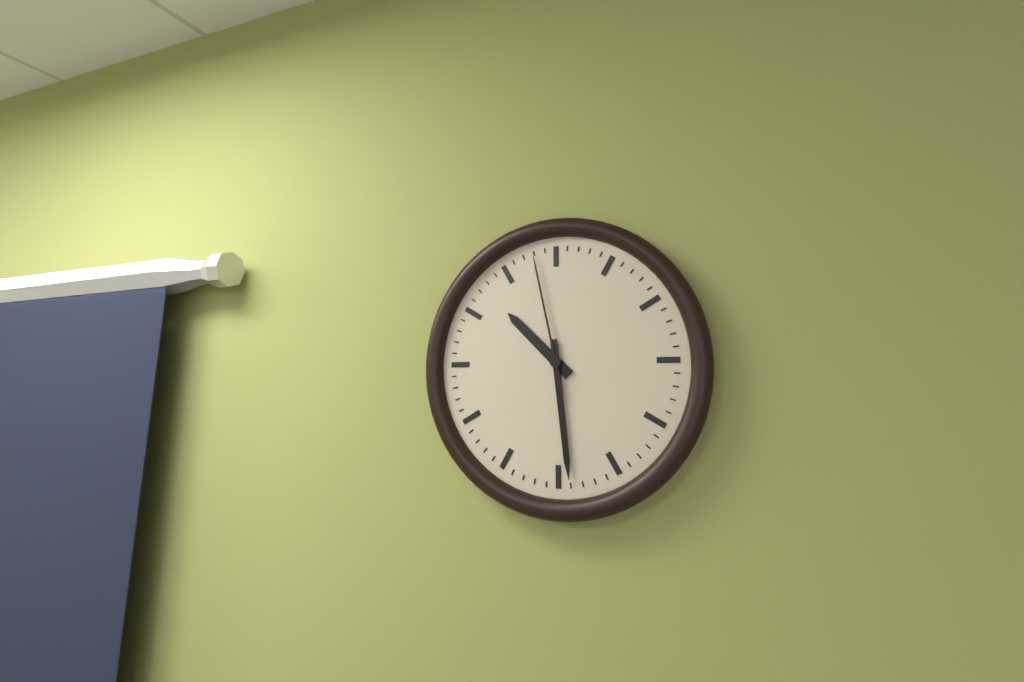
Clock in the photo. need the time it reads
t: 10:29:58
